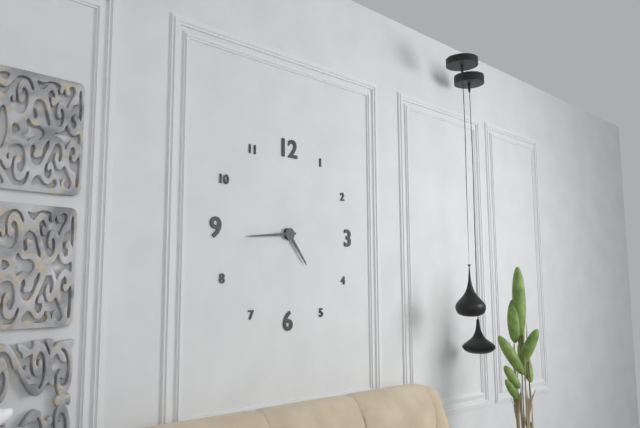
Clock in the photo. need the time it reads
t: 4:44
